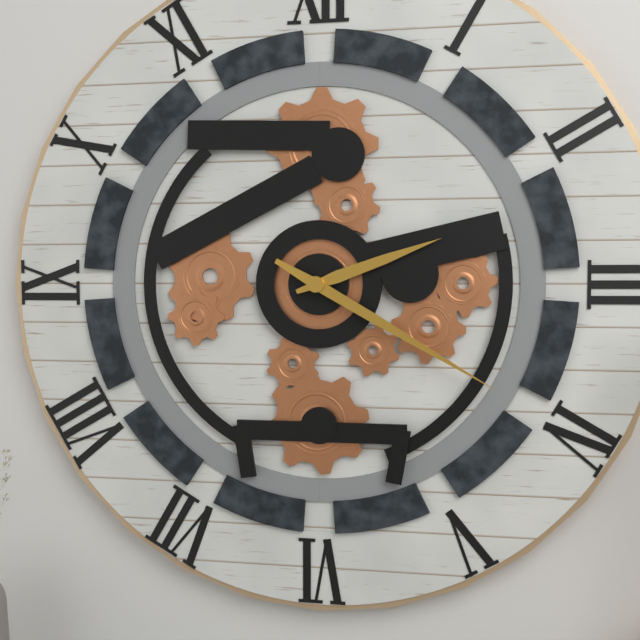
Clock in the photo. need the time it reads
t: 2:20
